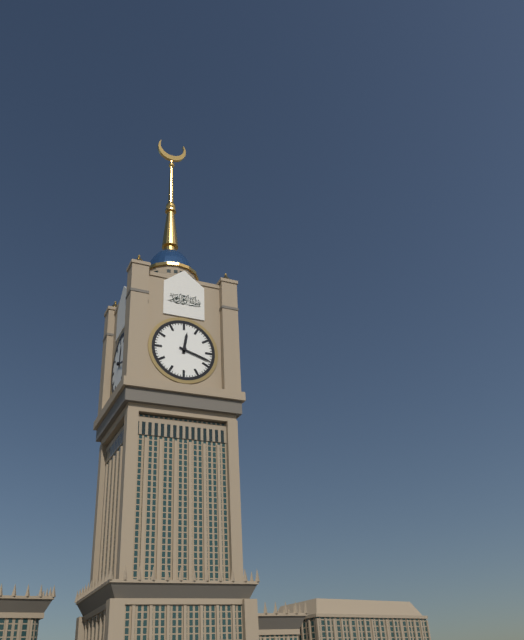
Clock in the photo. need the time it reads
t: 12:18
